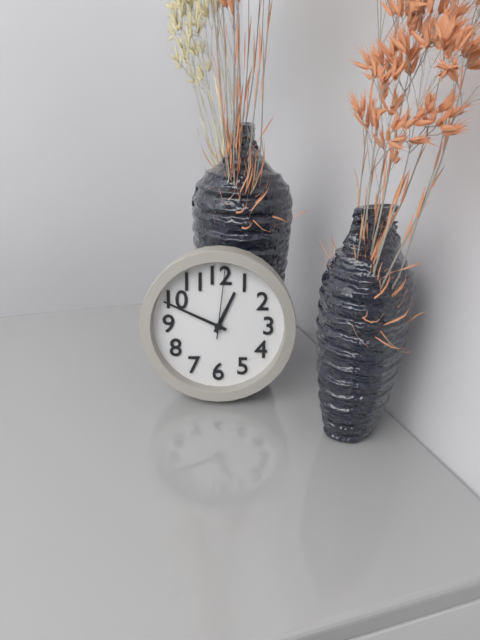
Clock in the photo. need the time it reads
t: 12:49:01
